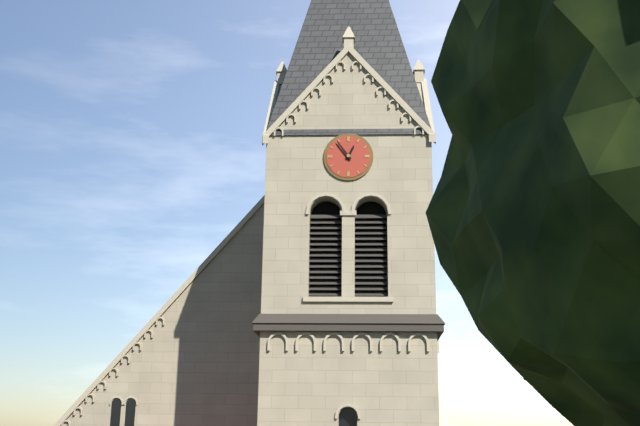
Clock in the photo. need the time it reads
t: 12:54
